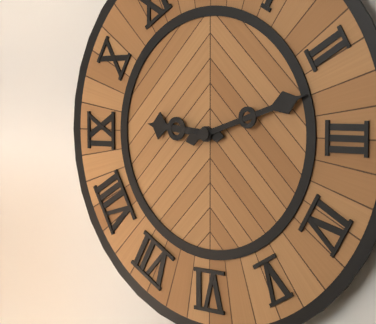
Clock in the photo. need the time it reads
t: 9:12
